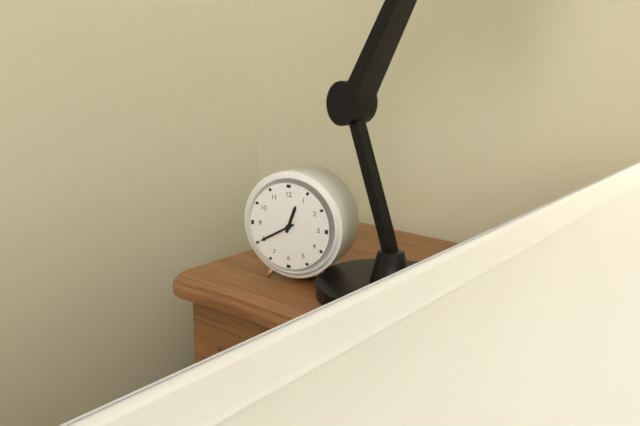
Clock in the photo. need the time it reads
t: 12:40
